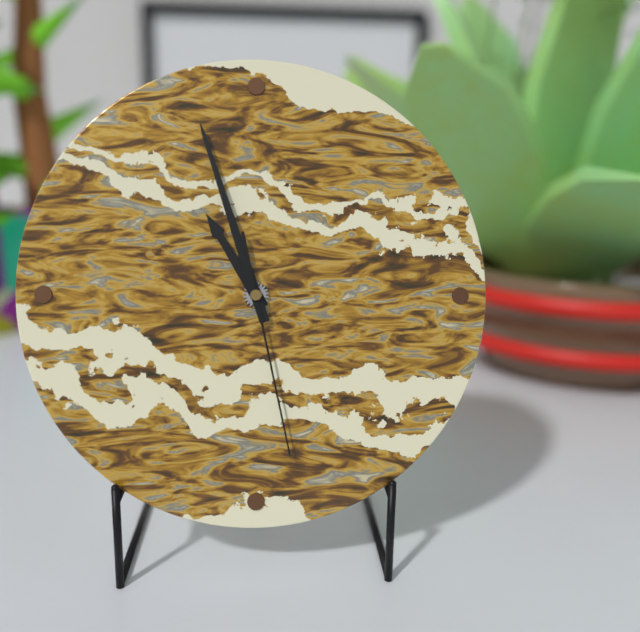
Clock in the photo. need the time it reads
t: 10:57:28
